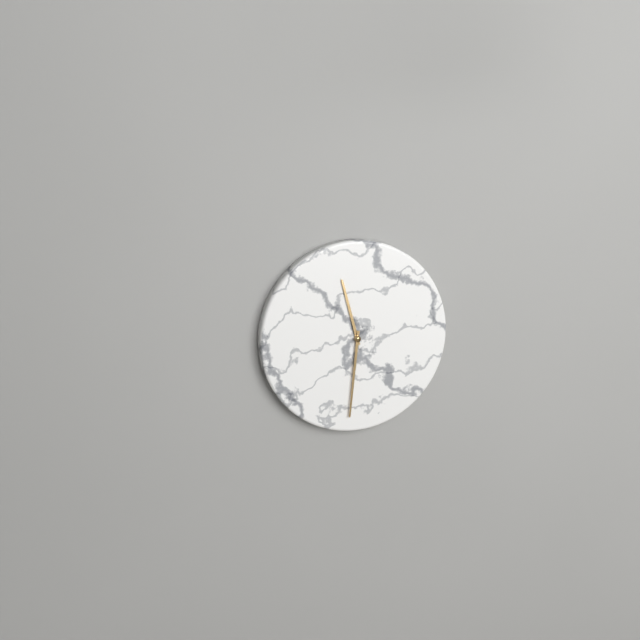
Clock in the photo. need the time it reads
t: 11:31
